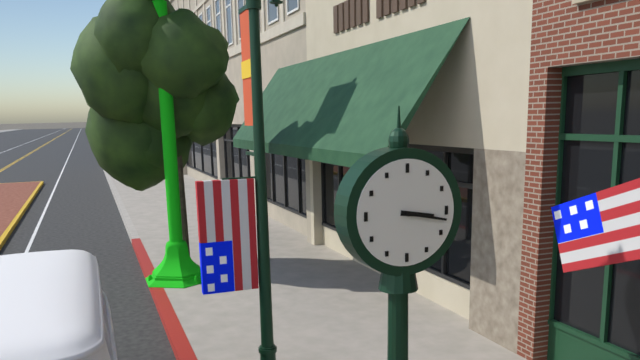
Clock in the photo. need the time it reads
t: 3:17
